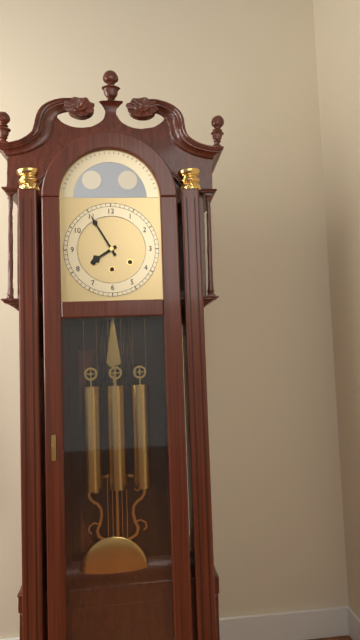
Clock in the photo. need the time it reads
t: 7:55
